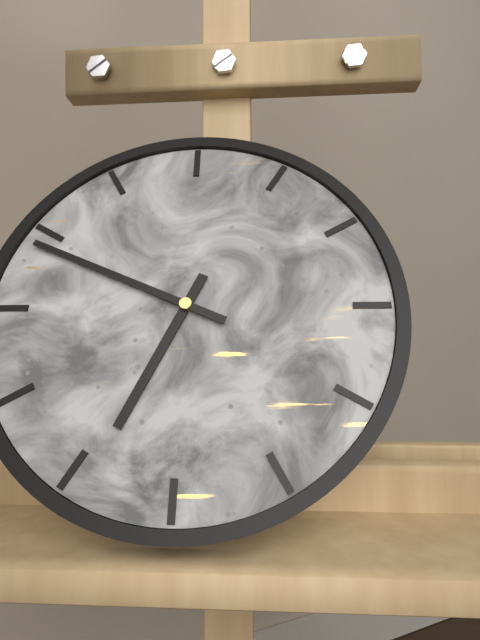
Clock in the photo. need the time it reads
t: 6:49
